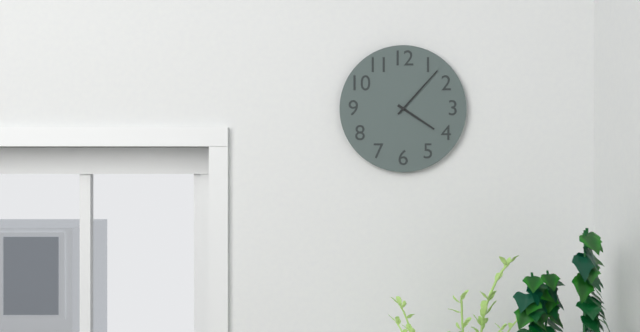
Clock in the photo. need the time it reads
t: 4:07
